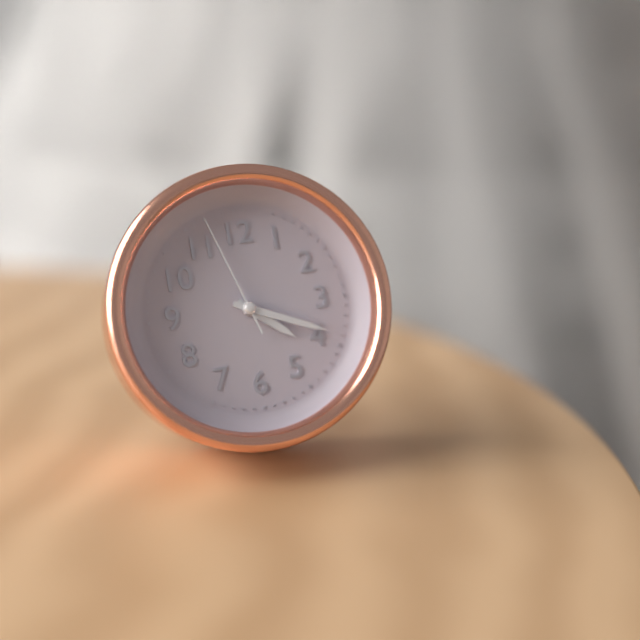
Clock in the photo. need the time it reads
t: 4:19:57
